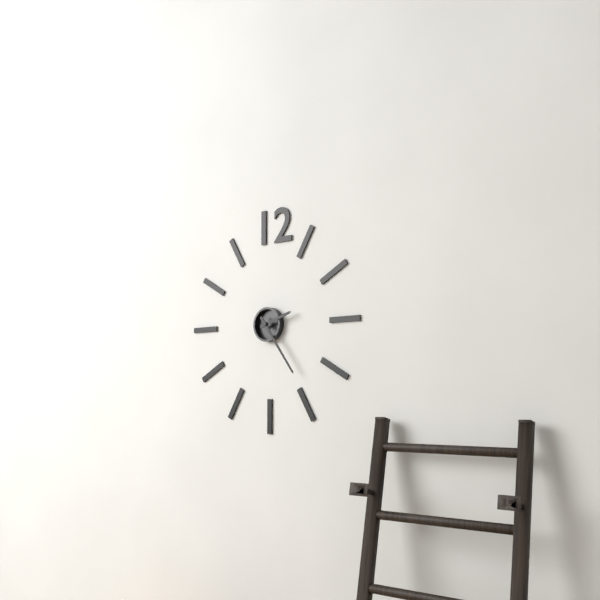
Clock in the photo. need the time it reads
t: 2:24
